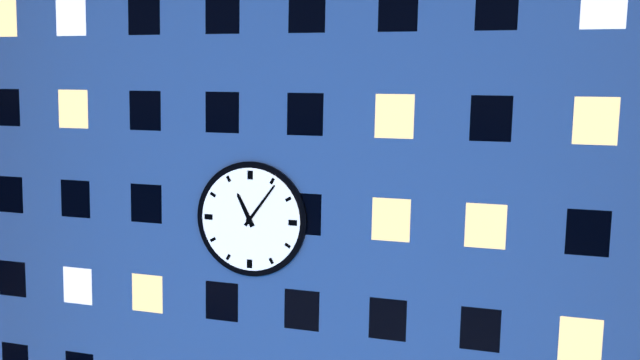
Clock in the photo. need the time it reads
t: 11:06
